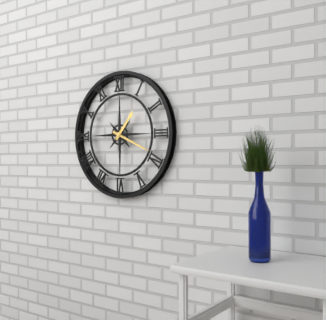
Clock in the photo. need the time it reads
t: 1:19
